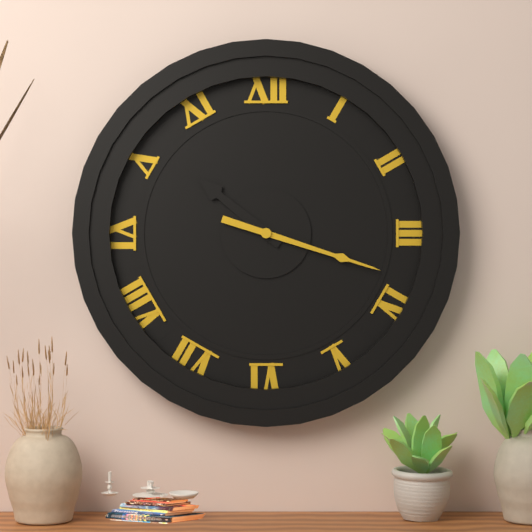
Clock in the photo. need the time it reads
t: 10:18
